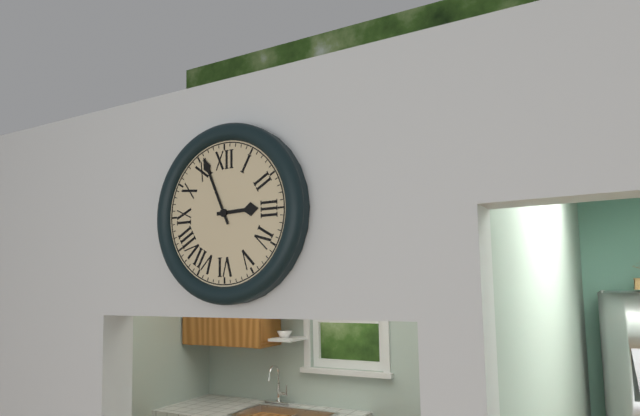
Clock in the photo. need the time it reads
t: 2:56
